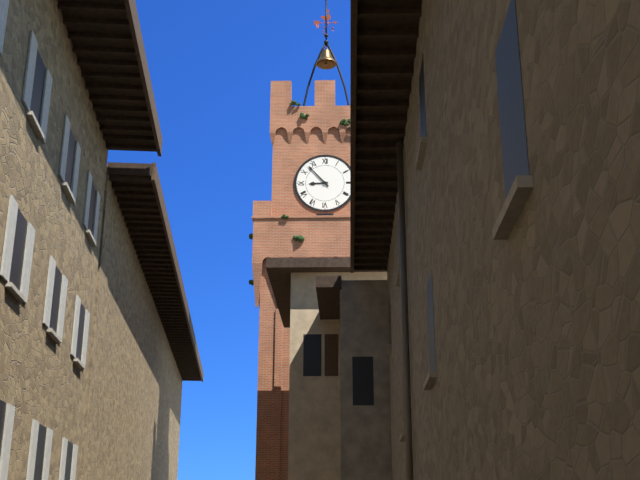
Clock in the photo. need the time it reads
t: 8:53
